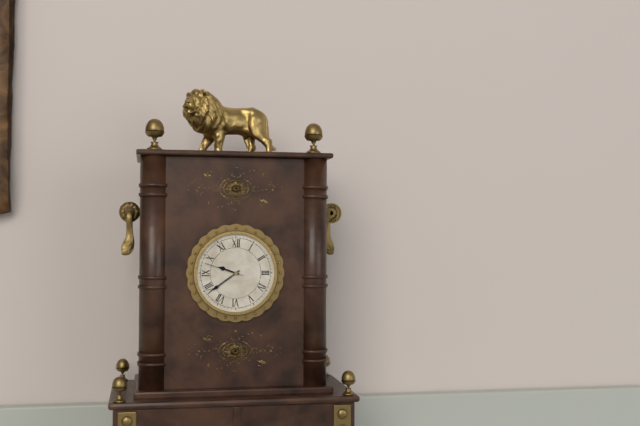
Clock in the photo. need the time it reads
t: 9:39
